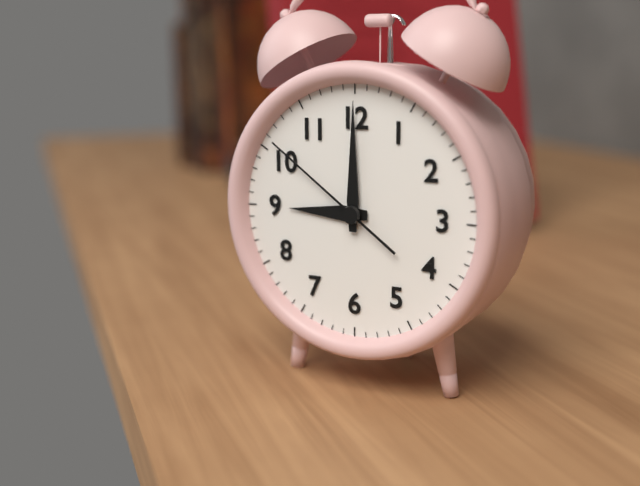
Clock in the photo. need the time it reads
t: 9:00:51
